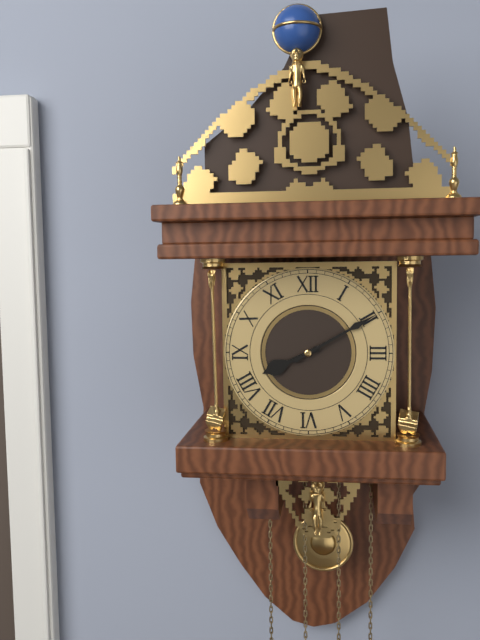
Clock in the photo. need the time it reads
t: 8:10
